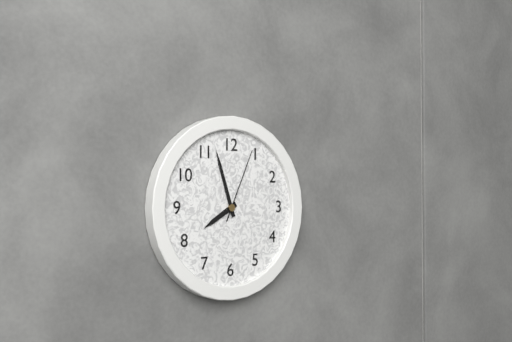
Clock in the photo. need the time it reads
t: 7:57:04
